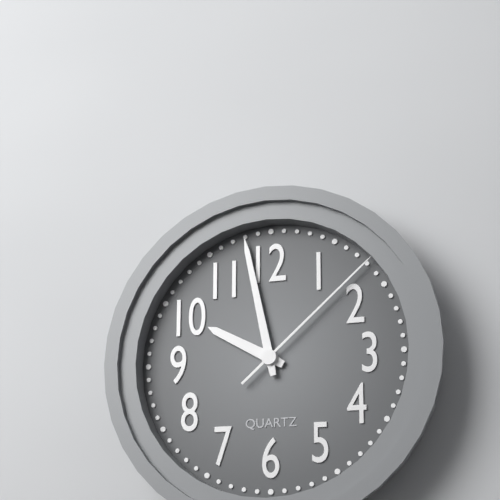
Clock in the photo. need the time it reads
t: 9:58:08
